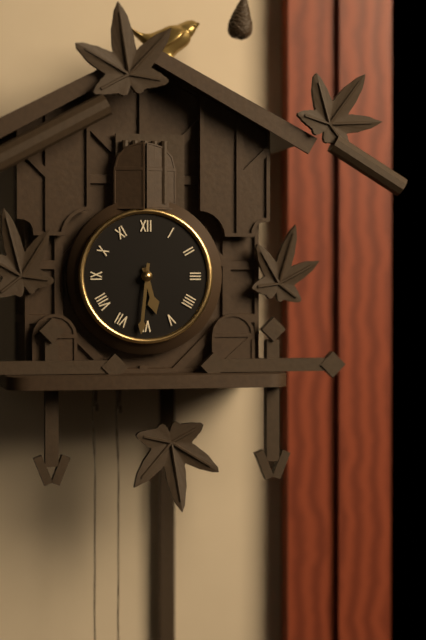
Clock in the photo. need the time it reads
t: 5:31
